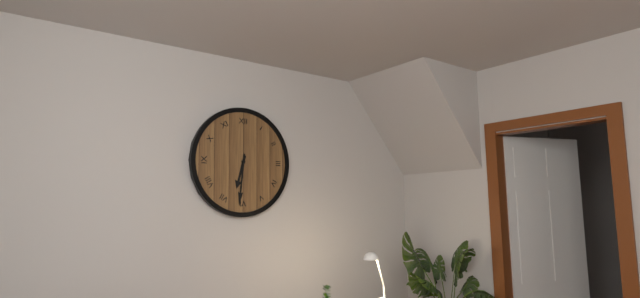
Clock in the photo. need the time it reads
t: 6:31
